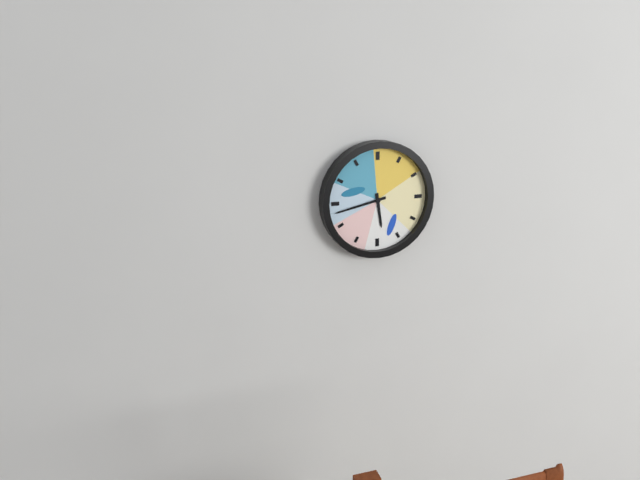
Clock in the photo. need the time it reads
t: 5:43
